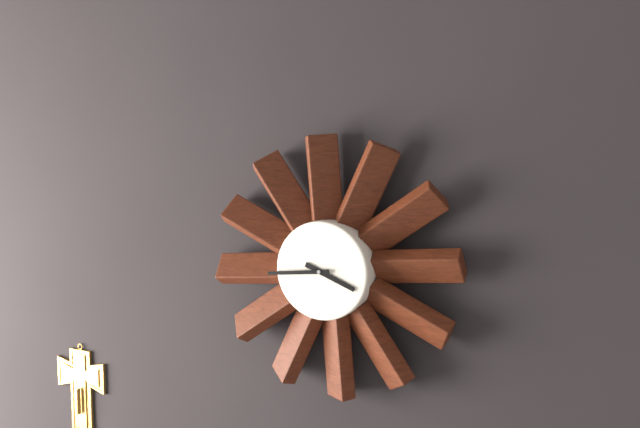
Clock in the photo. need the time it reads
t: 3:44
